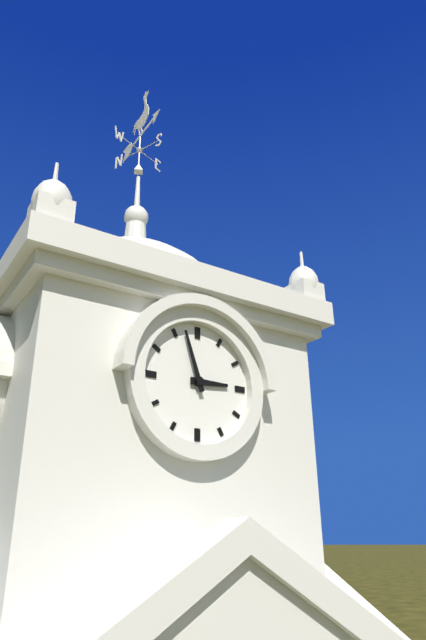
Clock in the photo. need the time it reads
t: 2:57
